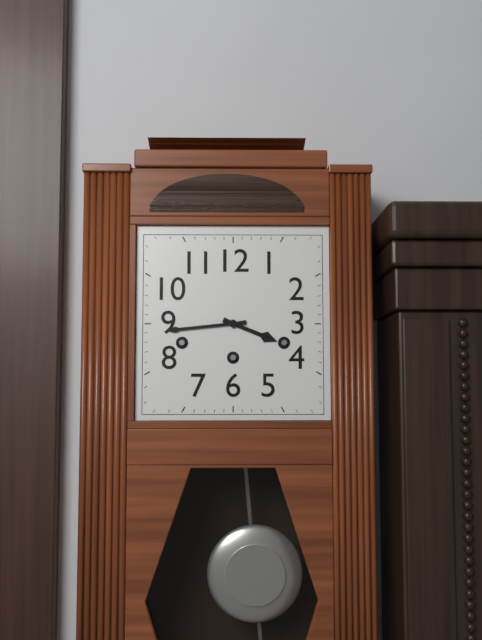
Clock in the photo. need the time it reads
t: 3:44
